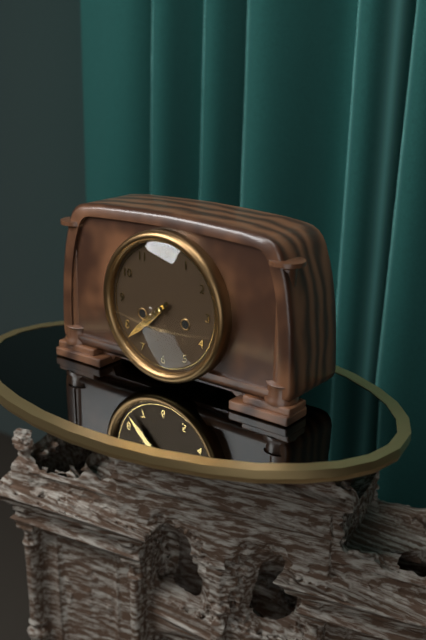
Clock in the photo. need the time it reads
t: 7:38
